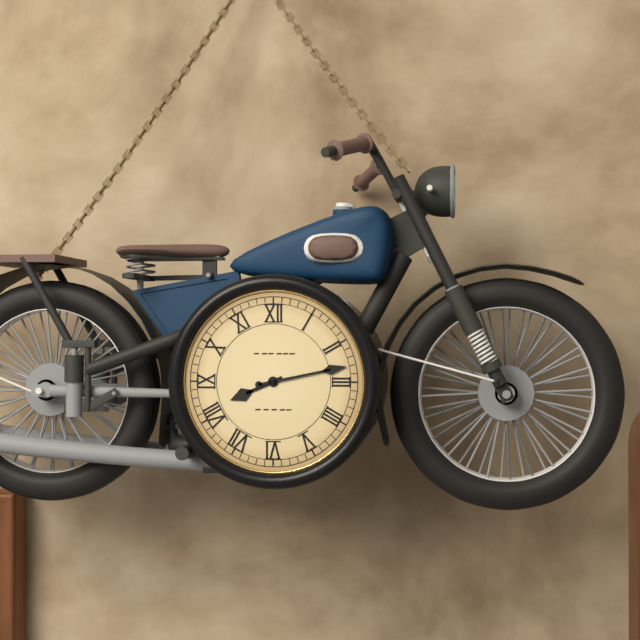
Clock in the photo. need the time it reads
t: 8:13
